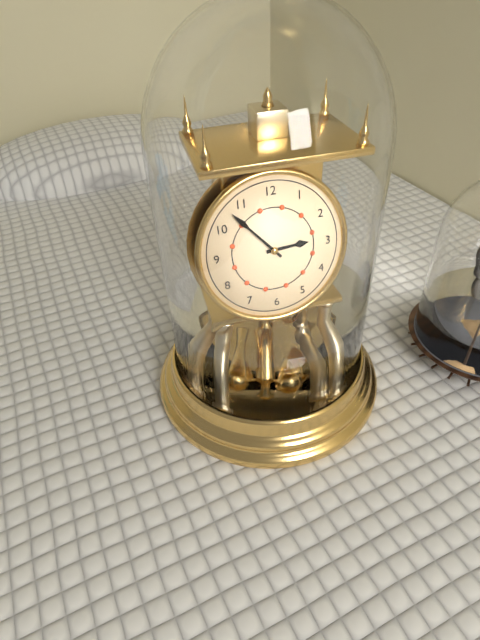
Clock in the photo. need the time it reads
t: 2:53
